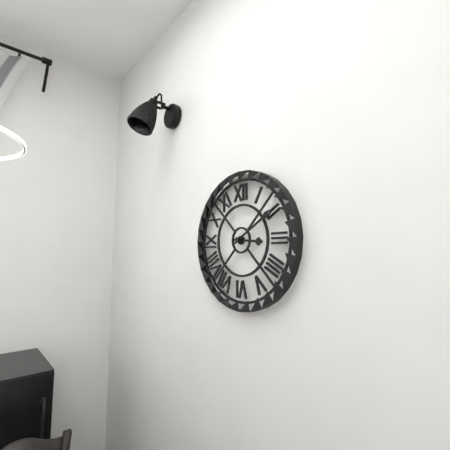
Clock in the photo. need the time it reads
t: 3:10
